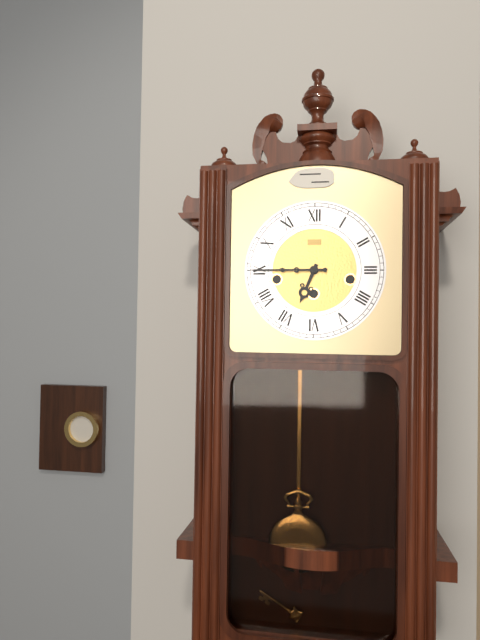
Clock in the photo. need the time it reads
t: 6:45
